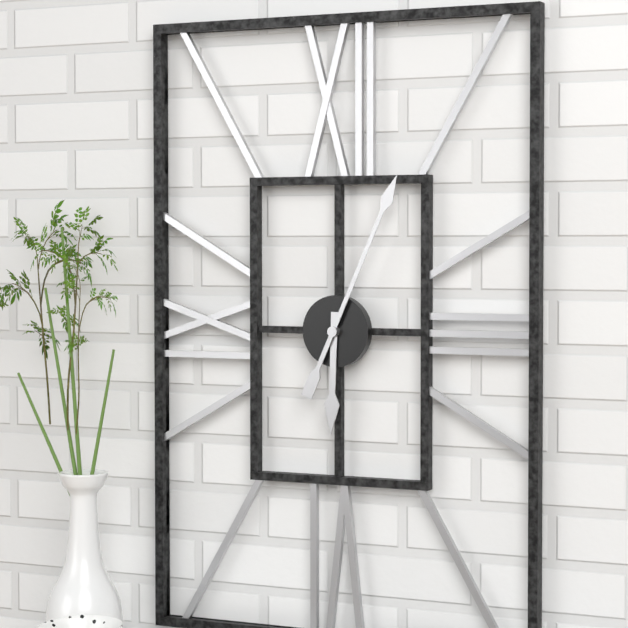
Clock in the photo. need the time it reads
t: 6:04
